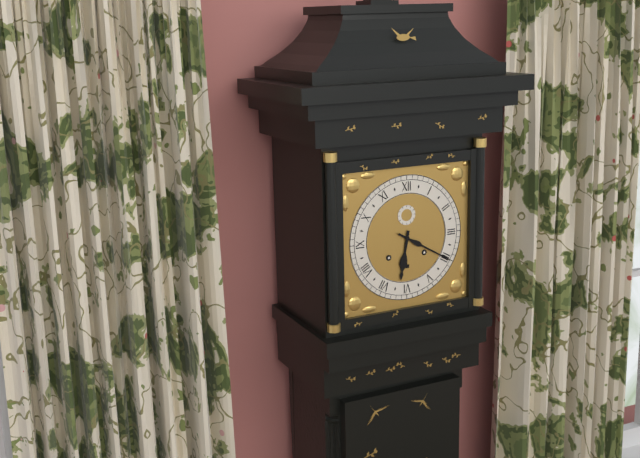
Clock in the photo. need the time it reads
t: 6:20
